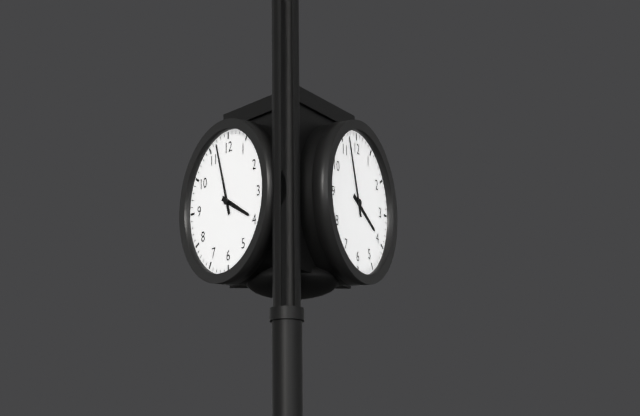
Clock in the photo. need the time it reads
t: 3:57
